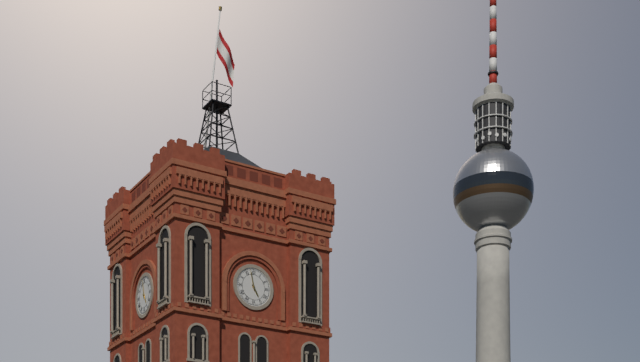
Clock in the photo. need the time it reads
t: 4:58
